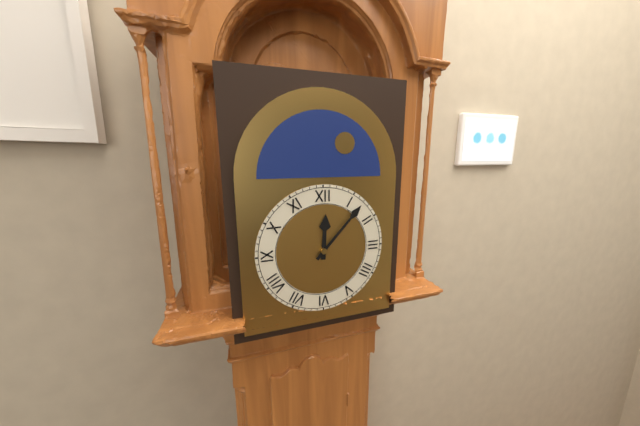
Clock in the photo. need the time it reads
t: 12:07
